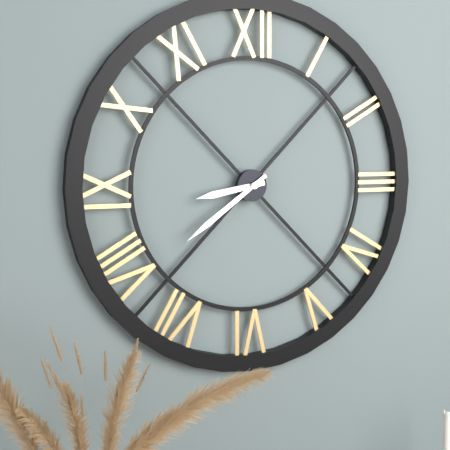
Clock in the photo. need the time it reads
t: 8:39
